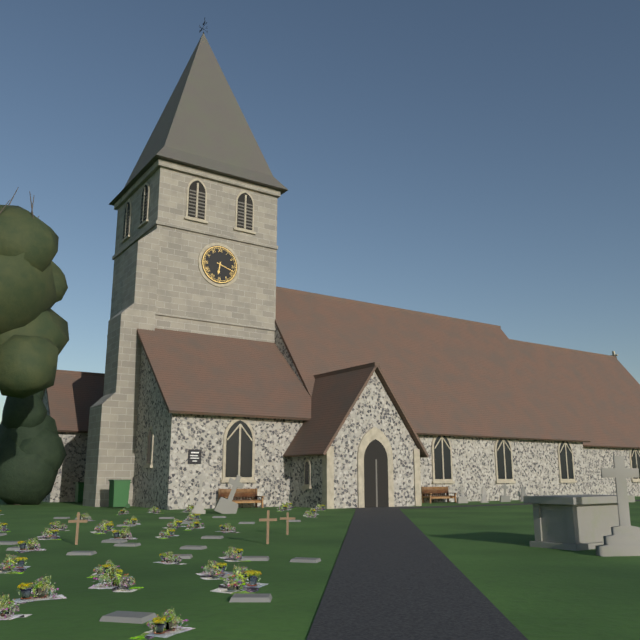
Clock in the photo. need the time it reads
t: 6:18
